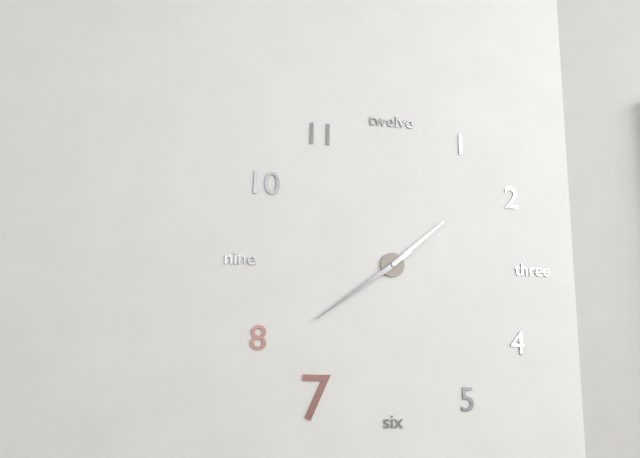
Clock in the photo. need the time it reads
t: 1:39
